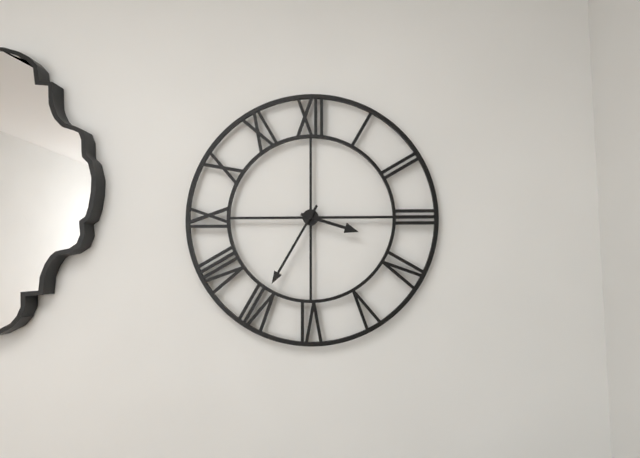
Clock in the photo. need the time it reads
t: 3:35
